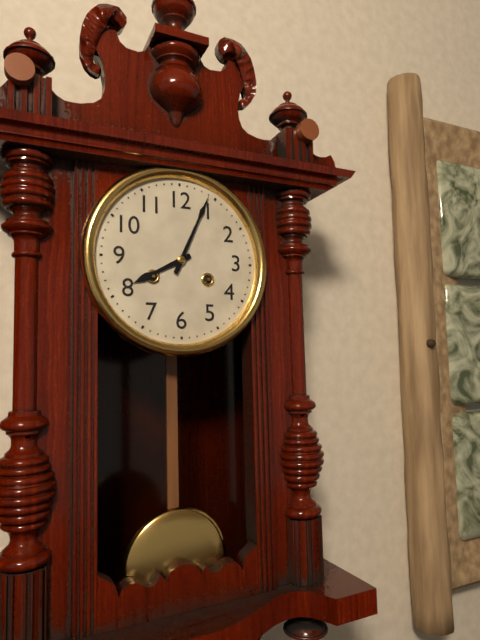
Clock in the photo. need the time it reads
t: 8:04
